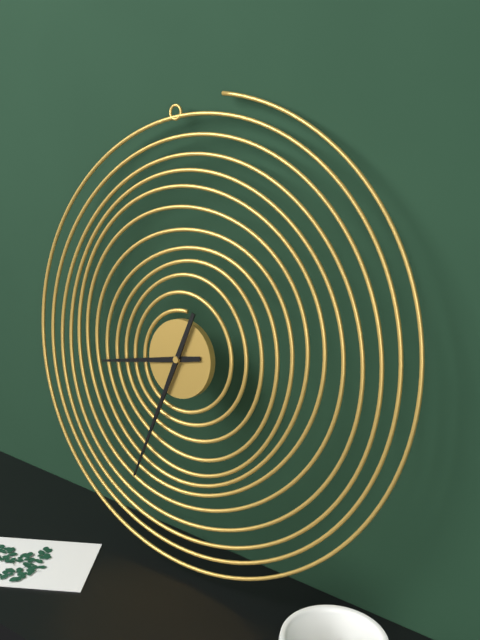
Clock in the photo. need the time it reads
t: 8:33
